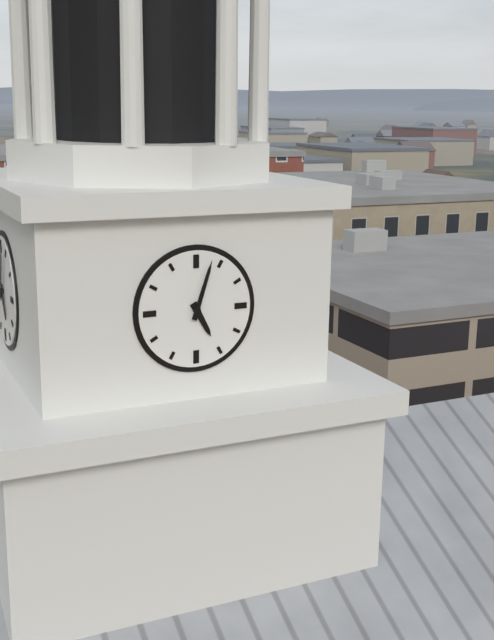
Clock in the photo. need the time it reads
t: 5:03
